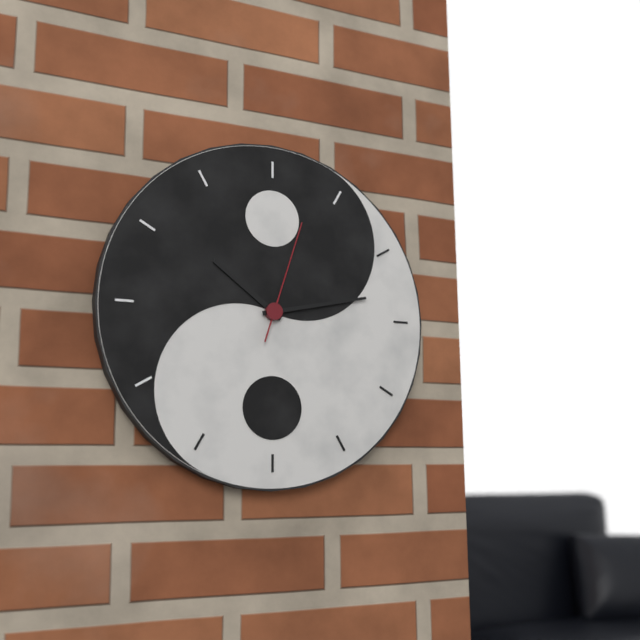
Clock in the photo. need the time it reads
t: 10:13:03
